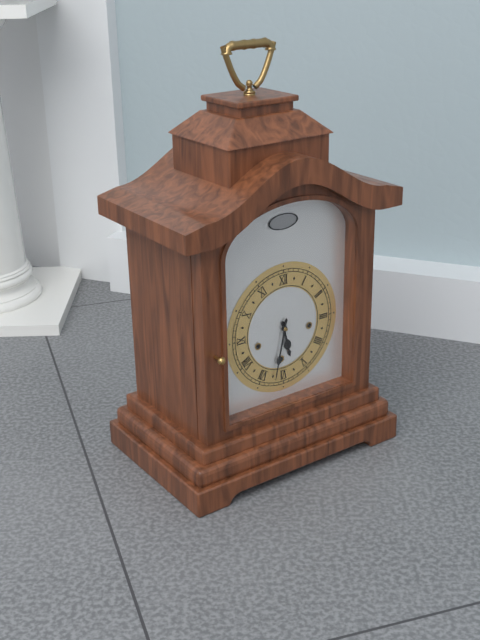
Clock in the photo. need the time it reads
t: 5:32
